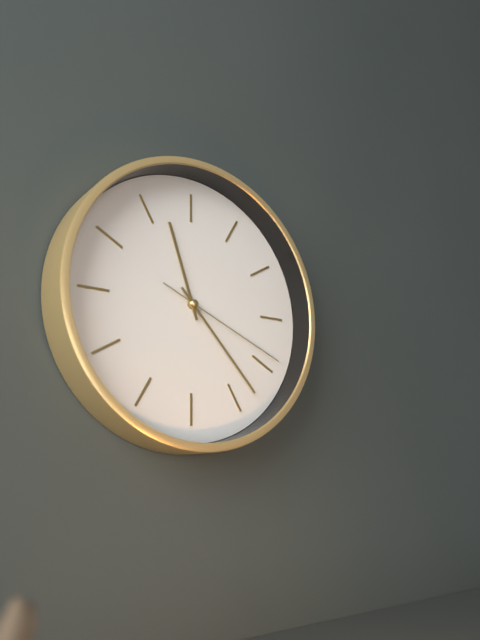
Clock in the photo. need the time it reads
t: 11:23:19
